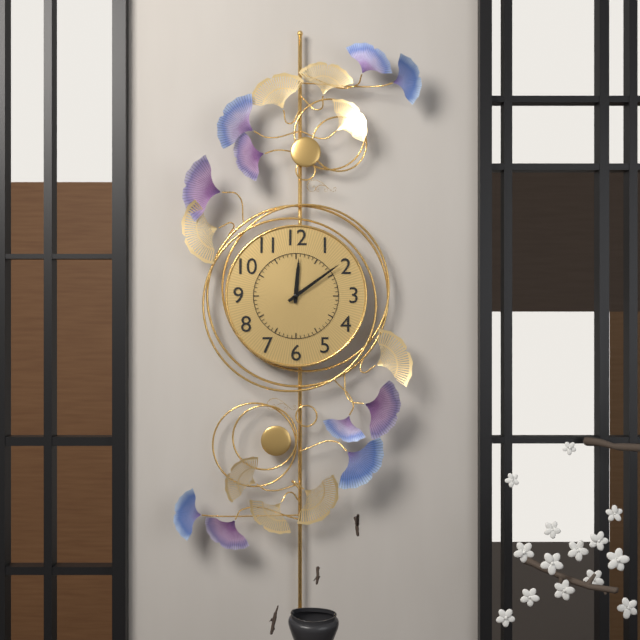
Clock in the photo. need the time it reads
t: 12:09
